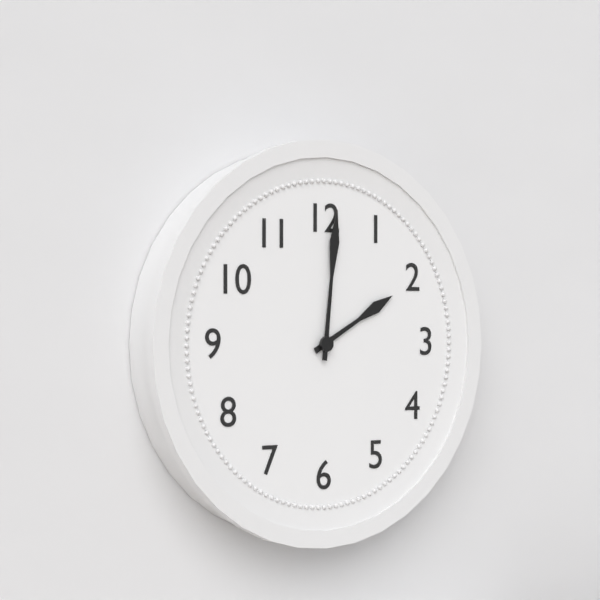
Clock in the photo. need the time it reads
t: 2:01
